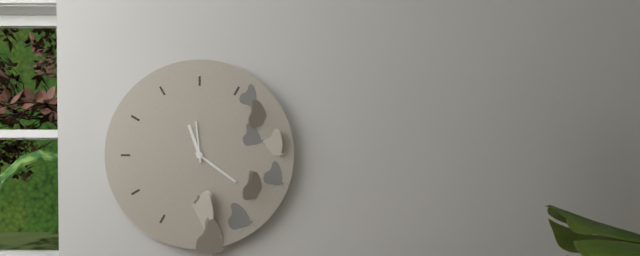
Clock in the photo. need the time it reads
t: 11:21
